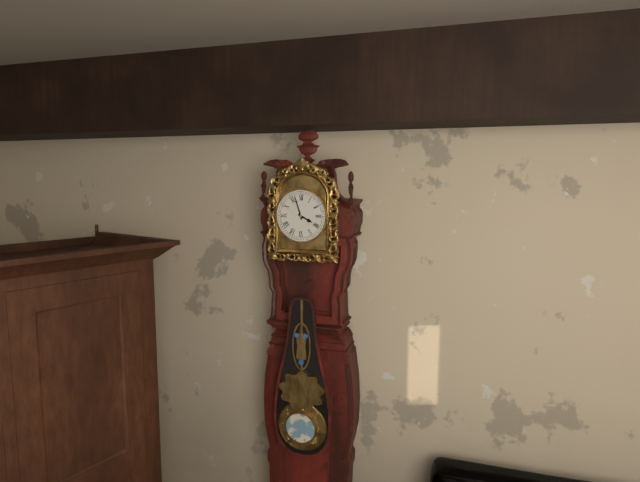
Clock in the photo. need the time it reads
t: 3:57
